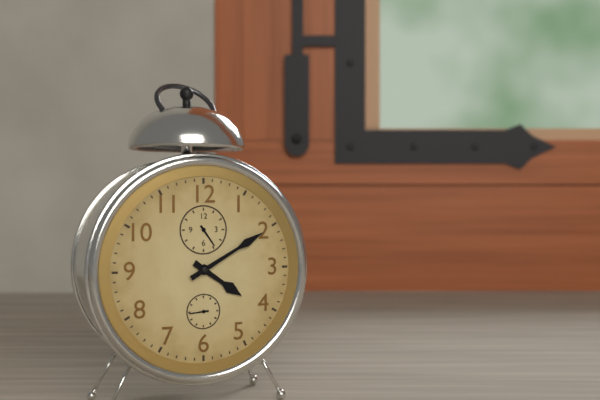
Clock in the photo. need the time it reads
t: 4:10
